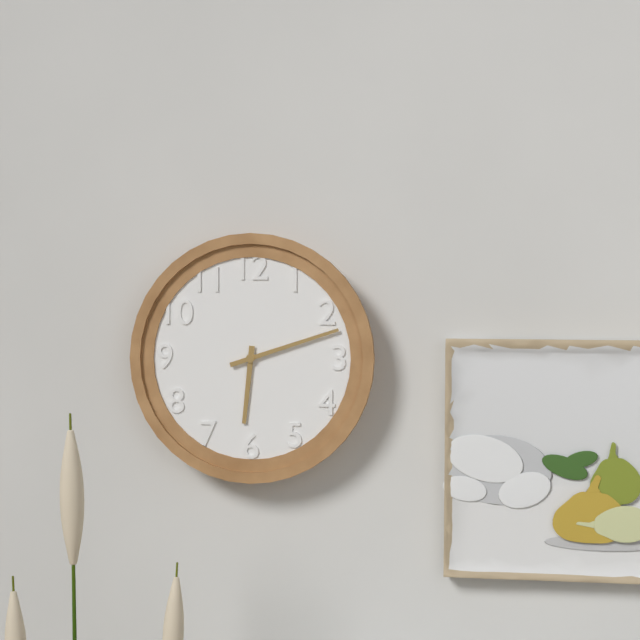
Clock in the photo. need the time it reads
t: 6:12
